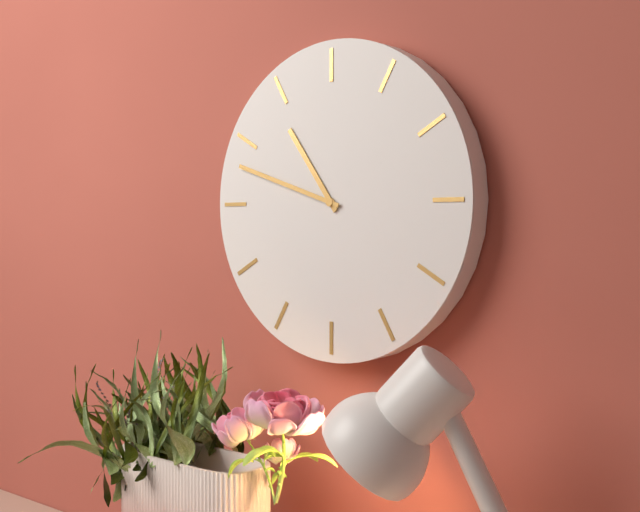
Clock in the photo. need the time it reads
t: 10:48
